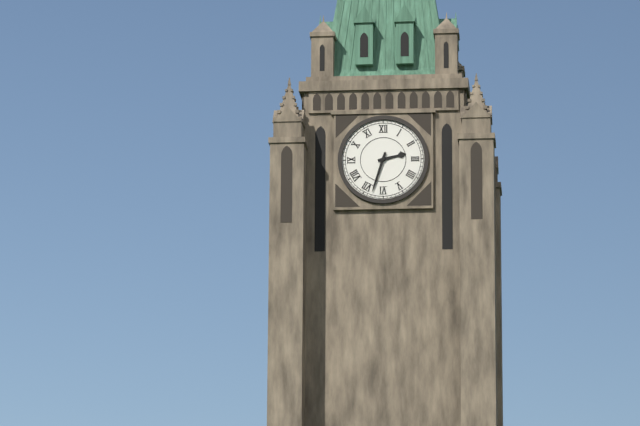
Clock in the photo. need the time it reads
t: 2:33
